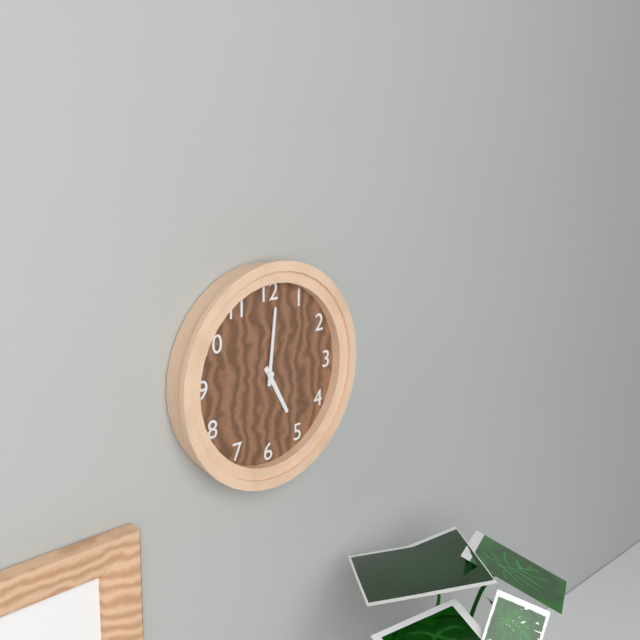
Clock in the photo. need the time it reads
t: 5:01
